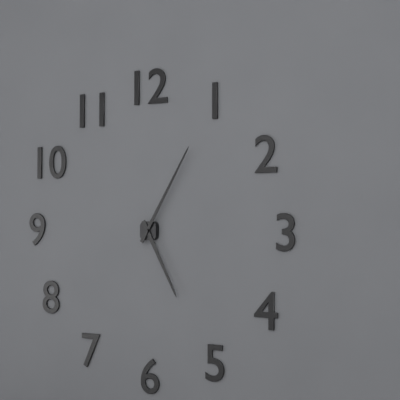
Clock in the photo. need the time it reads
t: 5:05
